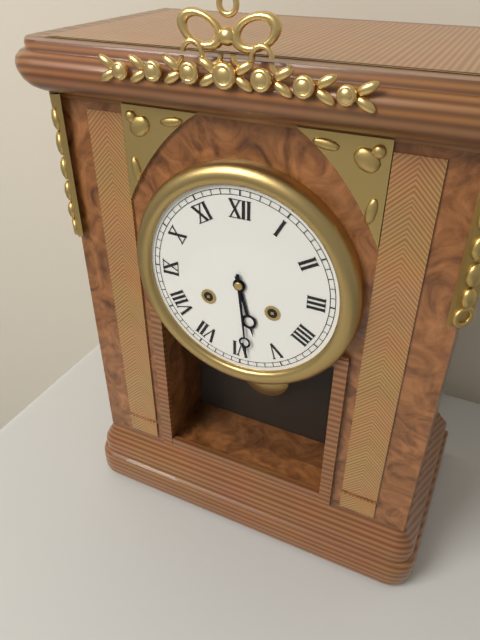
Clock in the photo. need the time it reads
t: 5:29
